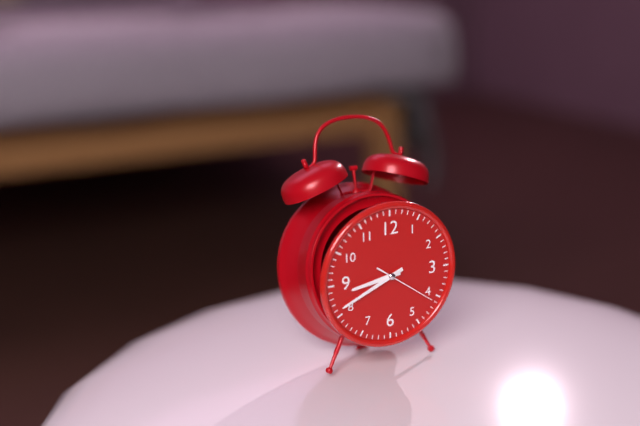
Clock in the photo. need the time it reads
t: 8:41:21
